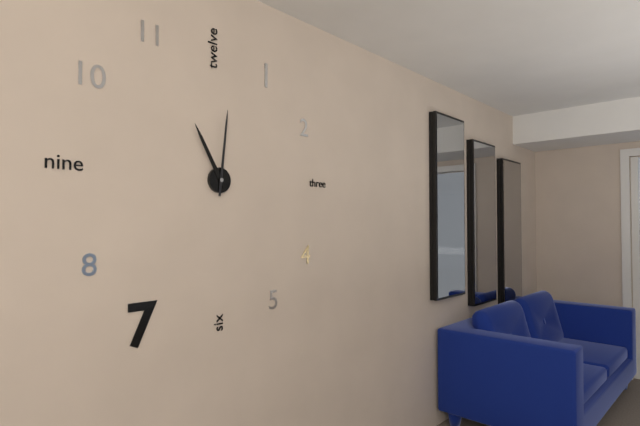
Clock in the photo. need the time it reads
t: 11:01
